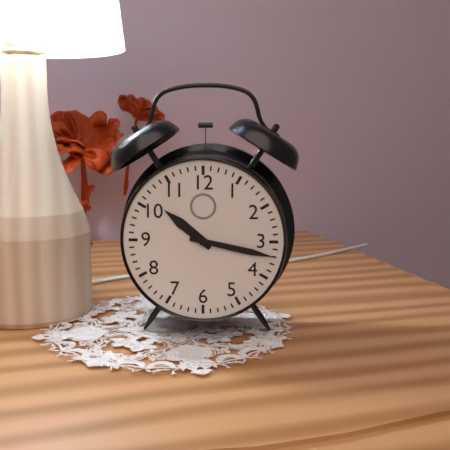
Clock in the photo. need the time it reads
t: 10:17
